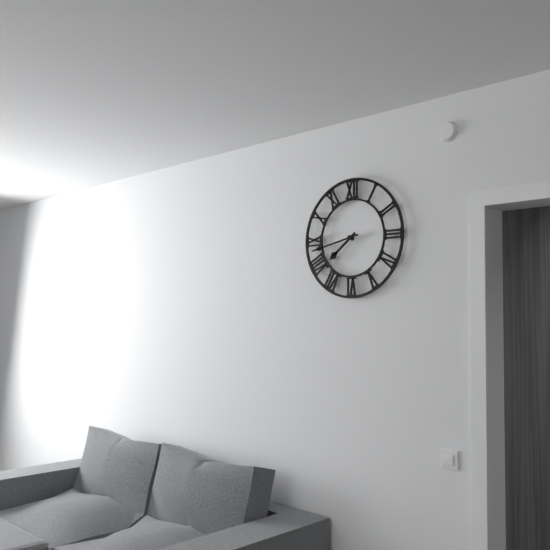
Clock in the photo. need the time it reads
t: 7:43
